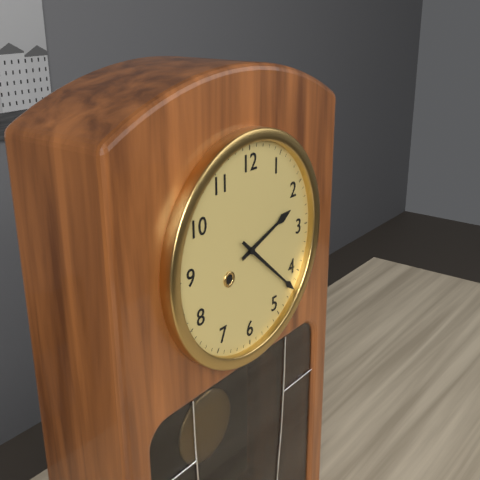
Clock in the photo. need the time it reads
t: 2:22
